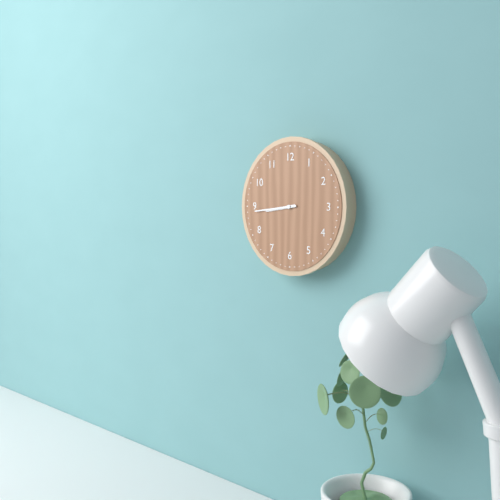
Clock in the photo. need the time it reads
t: 8:44
